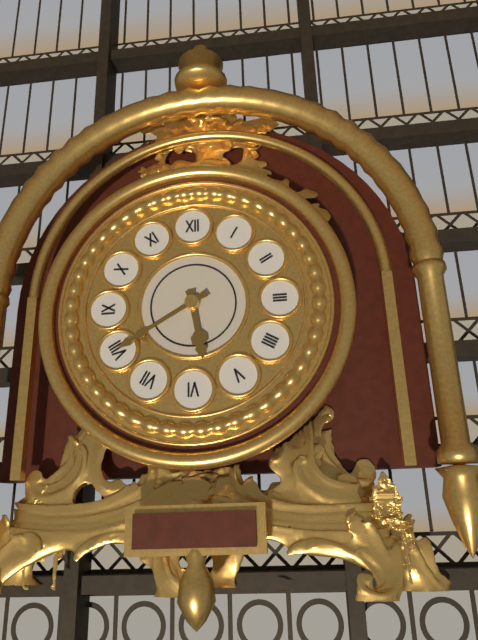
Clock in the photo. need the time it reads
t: 5:40
